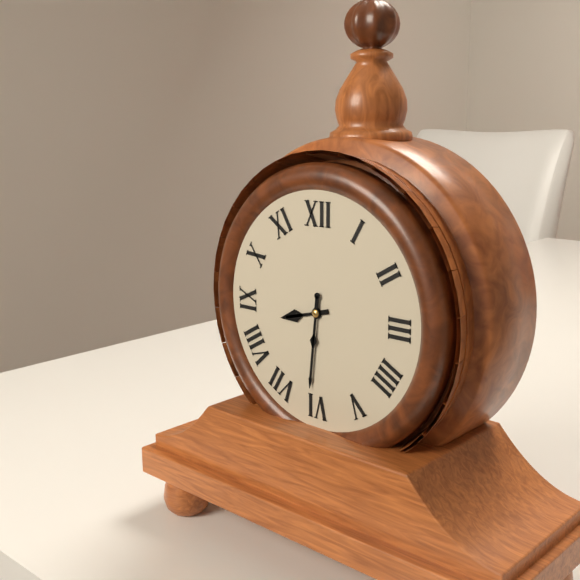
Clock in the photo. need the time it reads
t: 8:31
